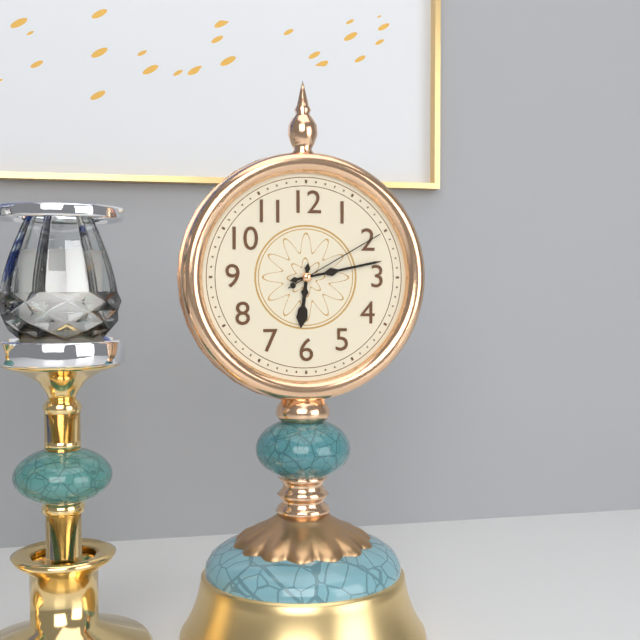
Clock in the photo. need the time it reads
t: 6:13:10
